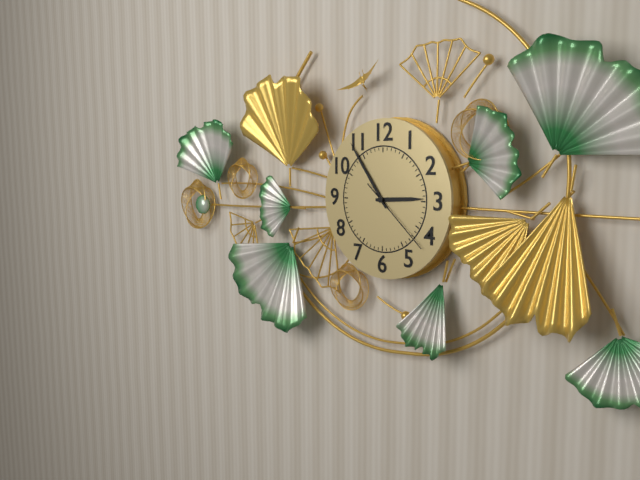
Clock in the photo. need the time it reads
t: 2:54:22
